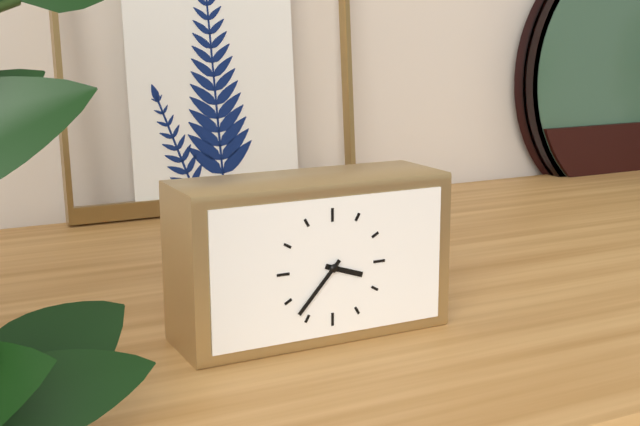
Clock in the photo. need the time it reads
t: 3:37
